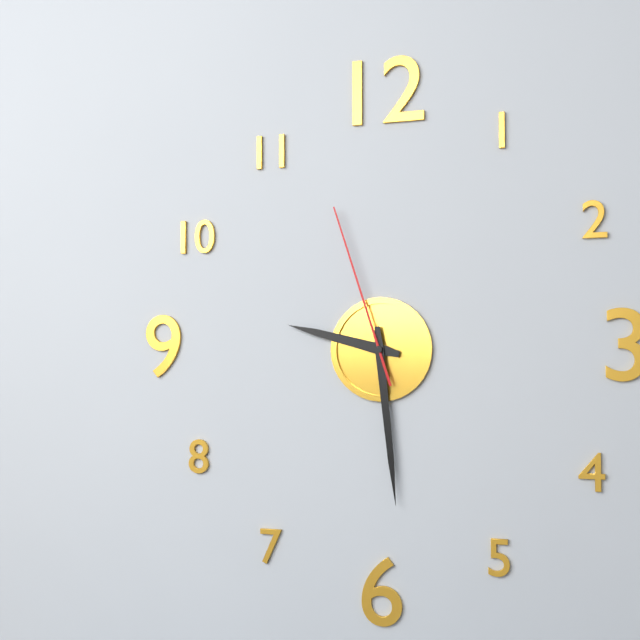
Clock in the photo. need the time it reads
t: 9:29:57
